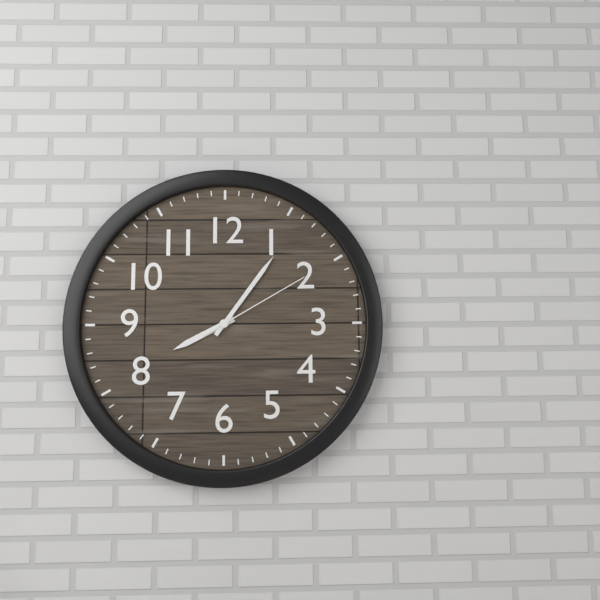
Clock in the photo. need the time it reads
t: 8:06:10
